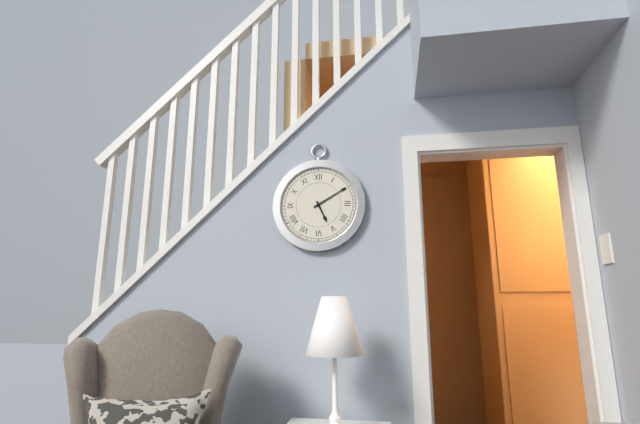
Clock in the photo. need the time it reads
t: 5:10
